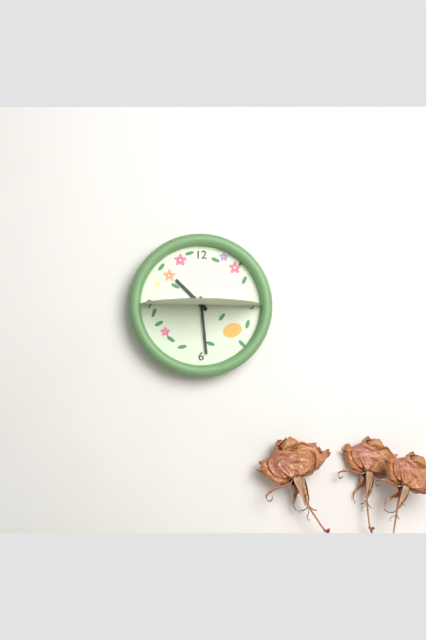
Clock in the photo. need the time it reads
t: 10:29
